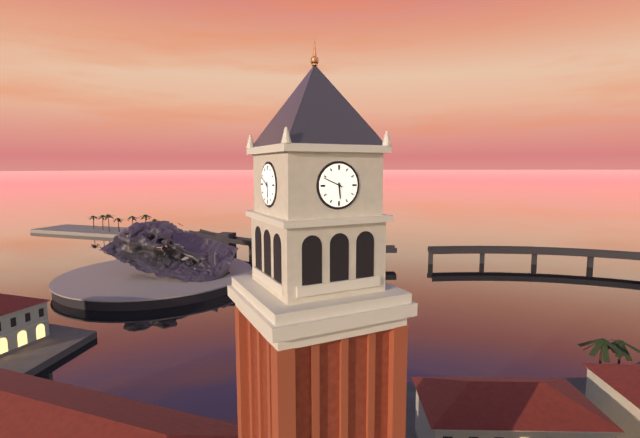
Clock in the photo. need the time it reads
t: 5:49
